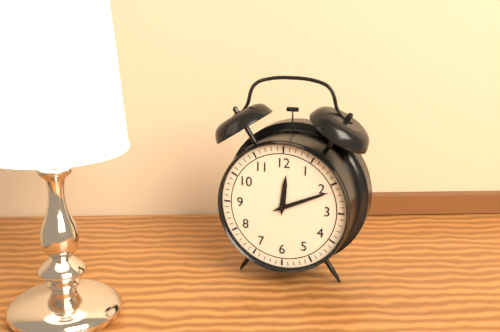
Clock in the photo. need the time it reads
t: 12:11
